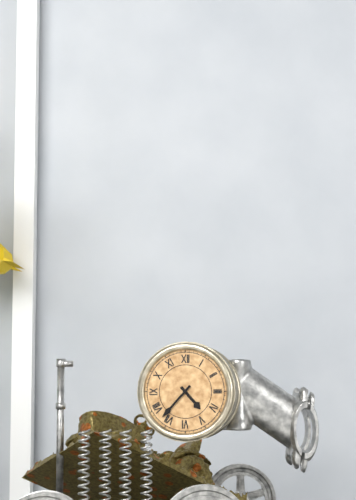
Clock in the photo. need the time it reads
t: 4:37
